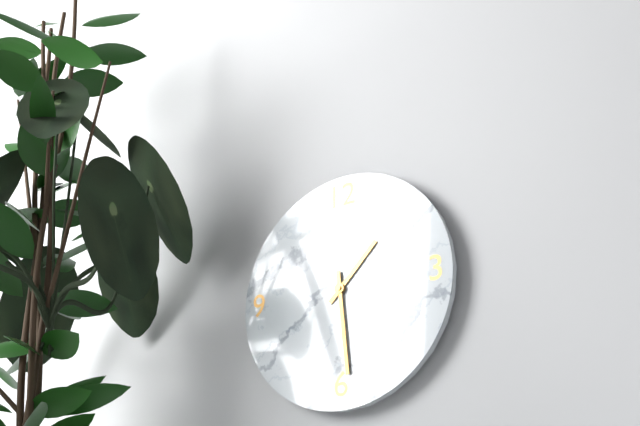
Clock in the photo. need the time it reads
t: 1:29
